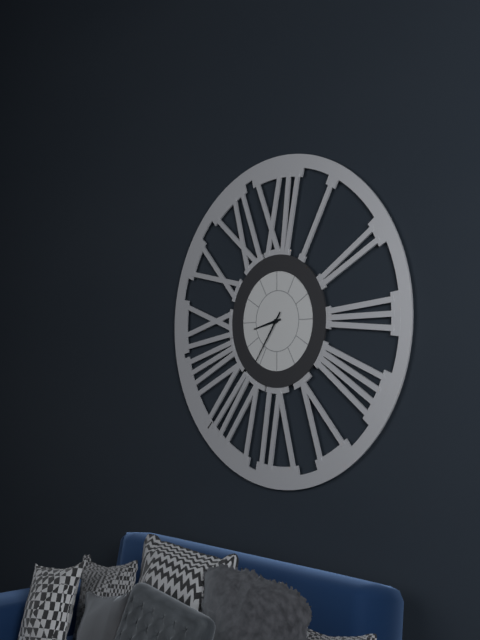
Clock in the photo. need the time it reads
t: 8:36
